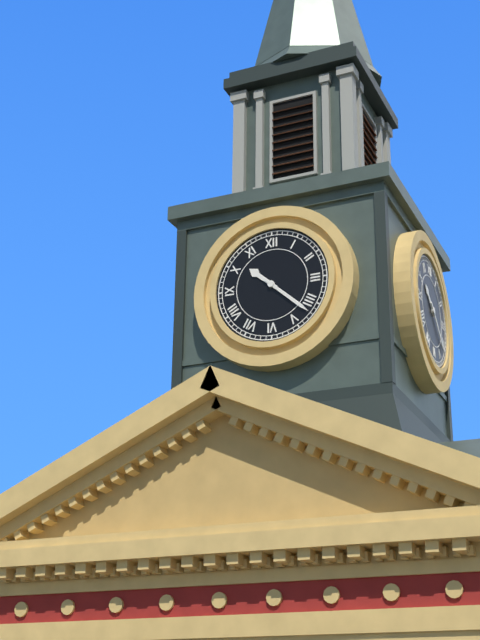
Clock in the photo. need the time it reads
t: 10:22
